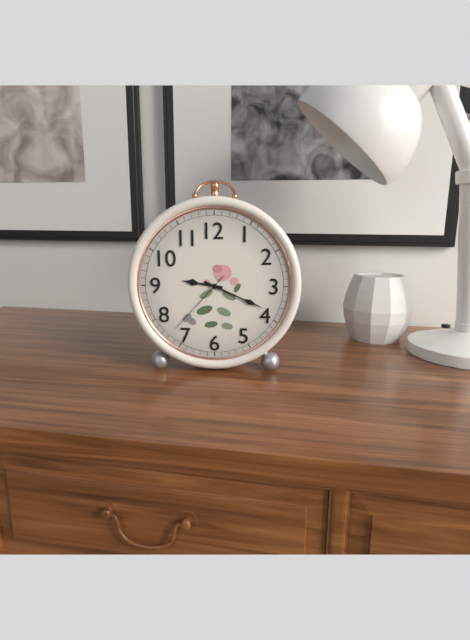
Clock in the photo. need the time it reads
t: 9:19:37
